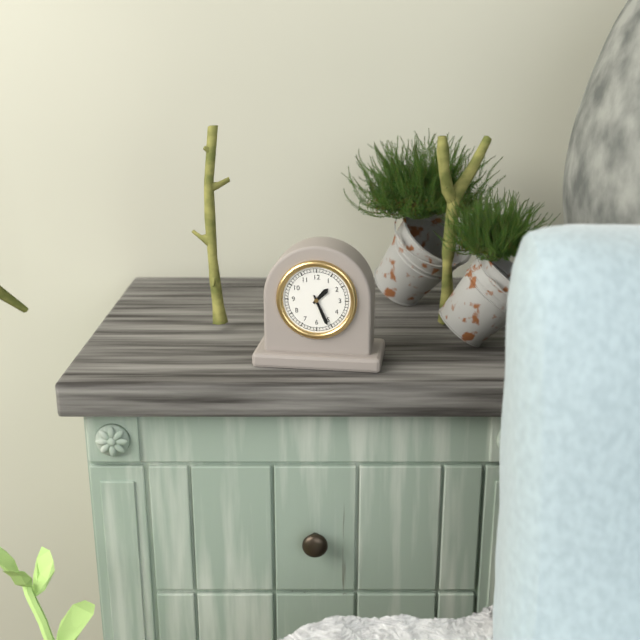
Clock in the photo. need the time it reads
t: 1:26
